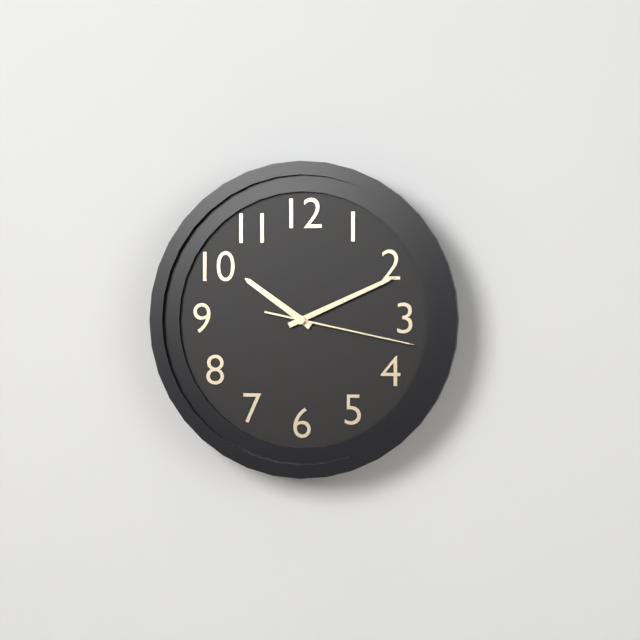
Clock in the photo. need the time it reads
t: 10:11:17
